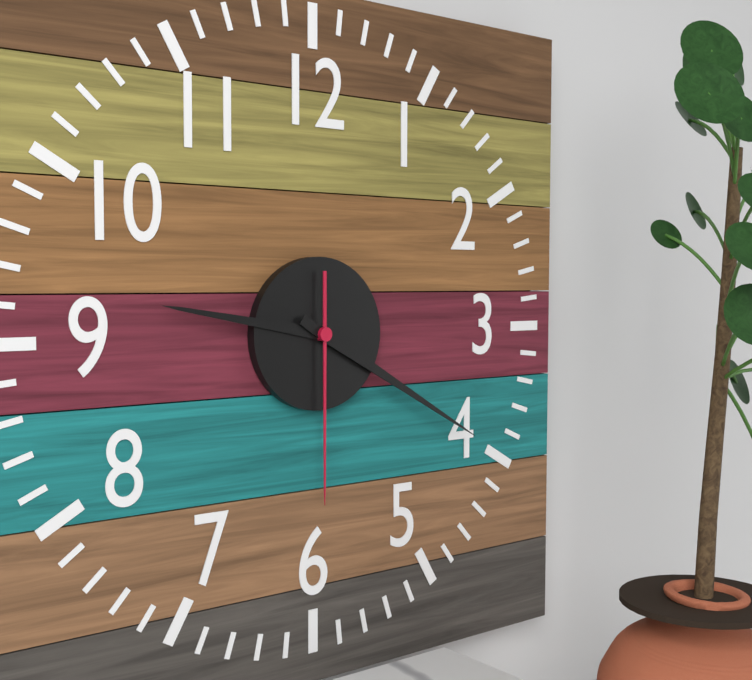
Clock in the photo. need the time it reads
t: 9:20:30
